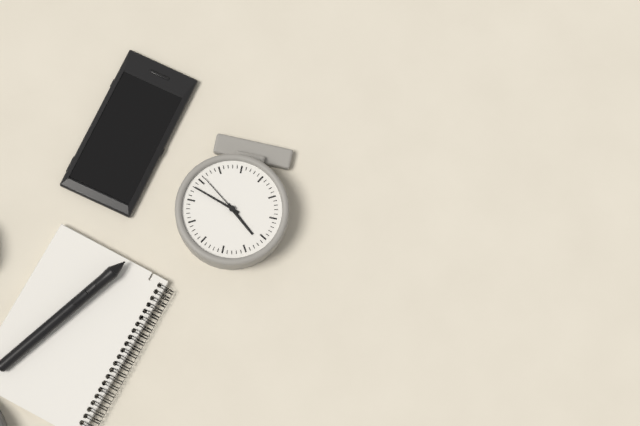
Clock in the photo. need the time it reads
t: 10:18:21
